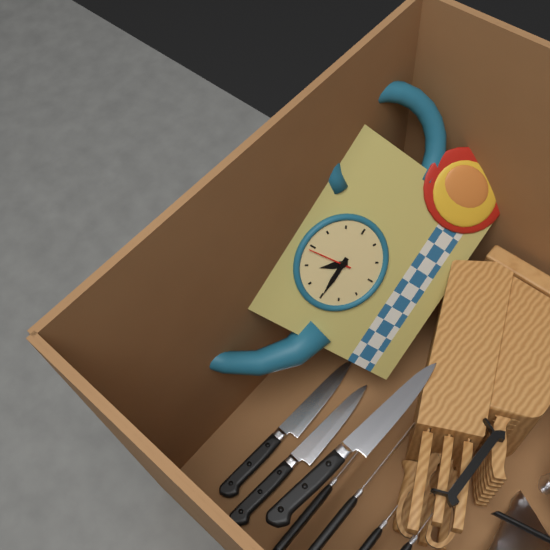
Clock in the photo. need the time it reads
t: 10:45
